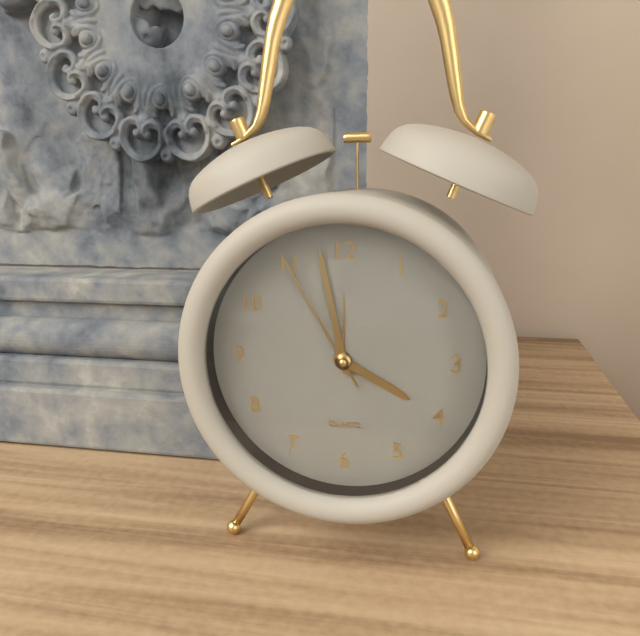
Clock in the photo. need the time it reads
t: 3:58:55
